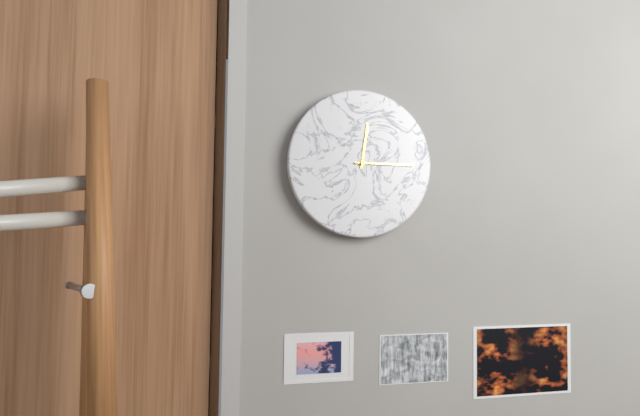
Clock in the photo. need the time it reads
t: 12:15
